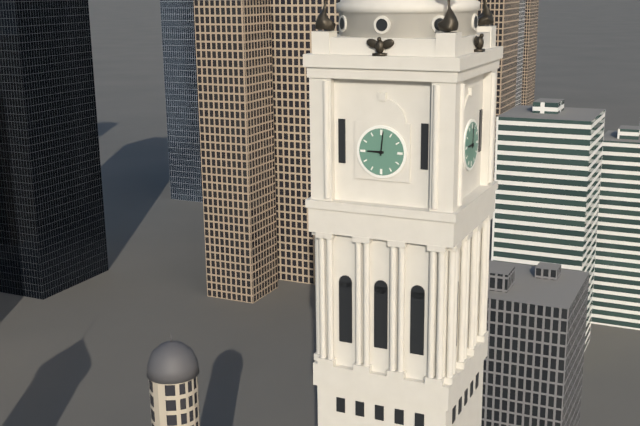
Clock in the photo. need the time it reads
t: 9:01
